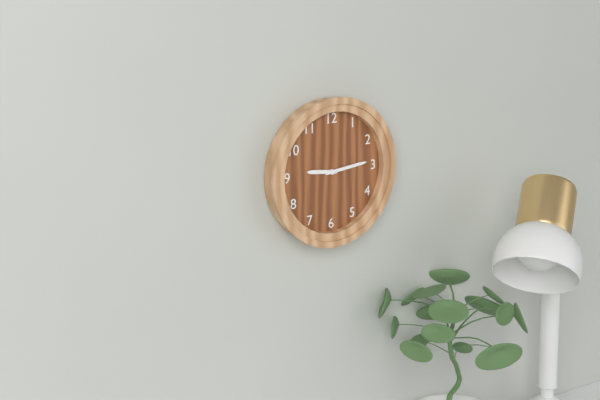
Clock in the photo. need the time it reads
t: 9:14
